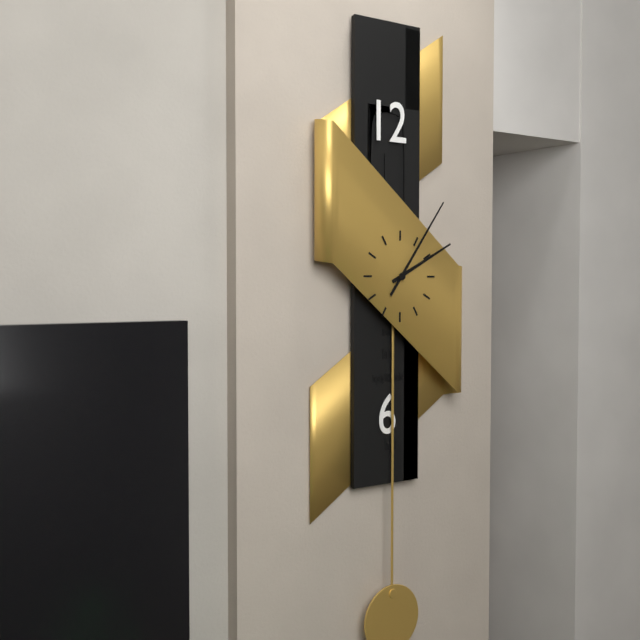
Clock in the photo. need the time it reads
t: 2:06
